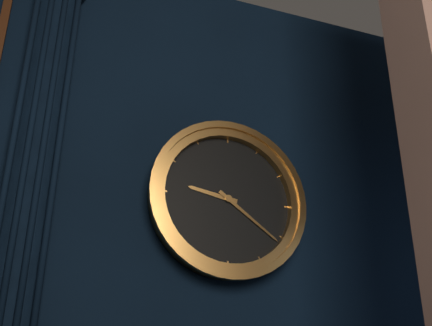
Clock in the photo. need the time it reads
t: 9:21
